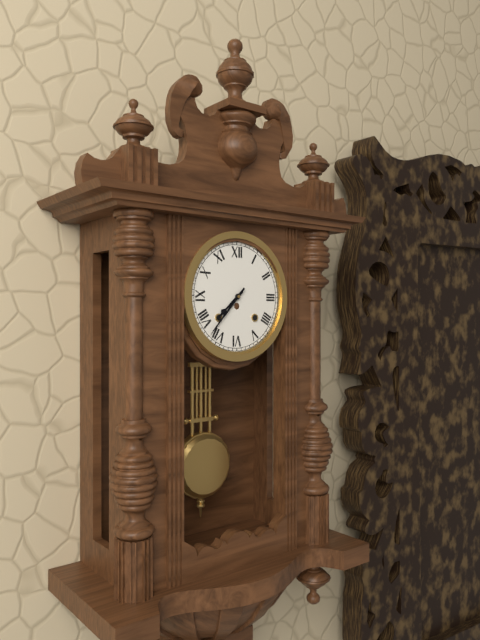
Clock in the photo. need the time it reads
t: 7:37
